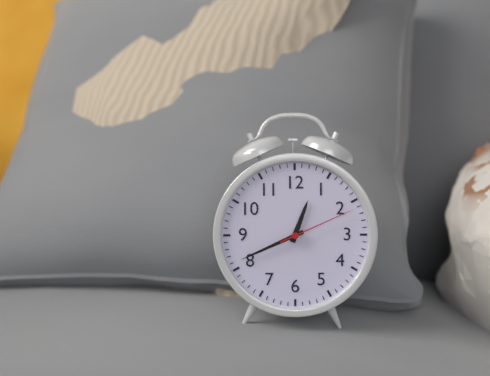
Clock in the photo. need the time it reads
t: 12:41:11
